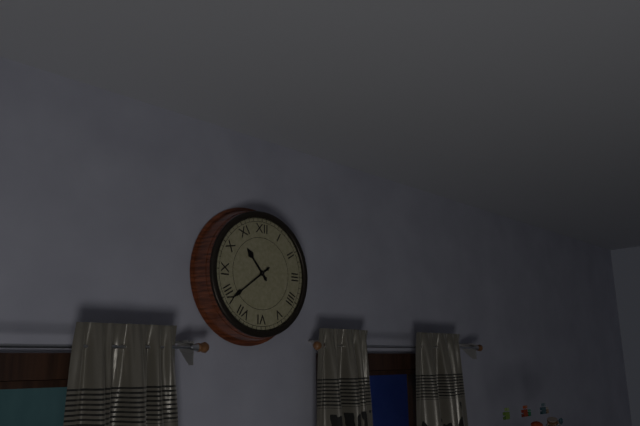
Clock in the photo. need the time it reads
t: 10:39
